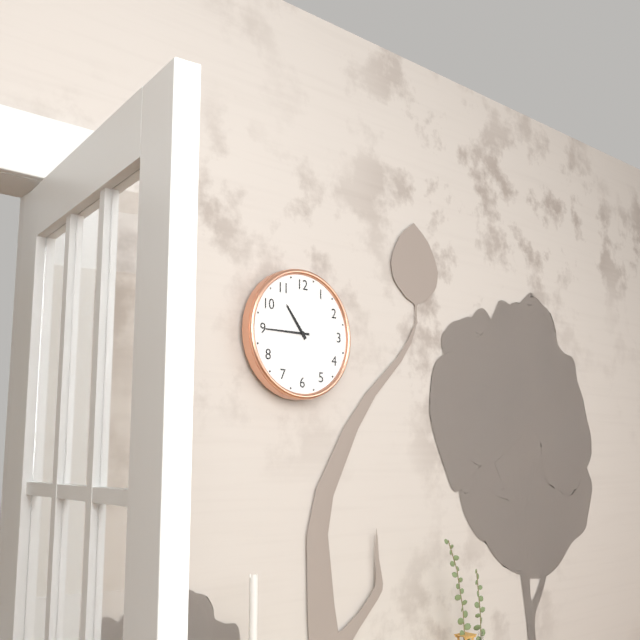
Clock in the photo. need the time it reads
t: 10:45
